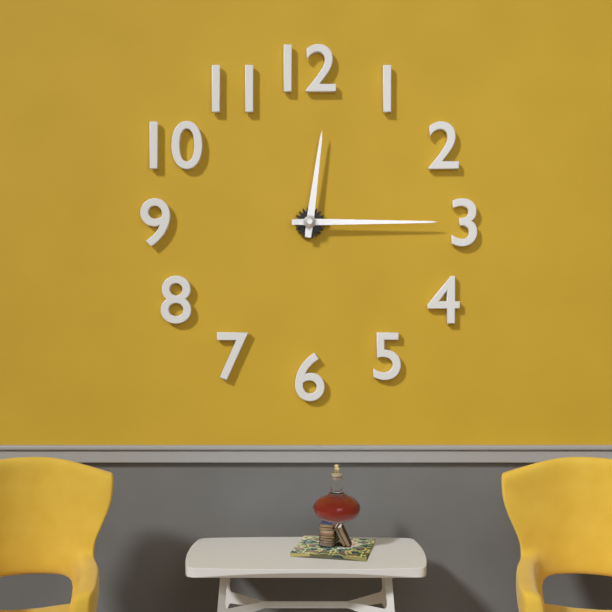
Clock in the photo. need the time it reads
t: 12:15
